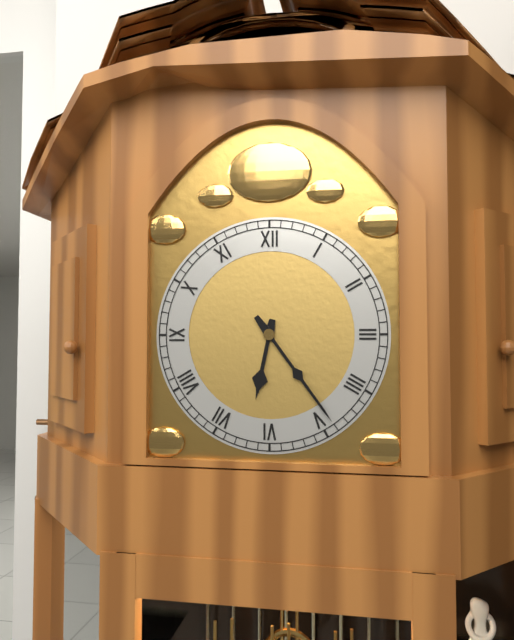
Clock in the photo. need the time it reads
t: 6:24
